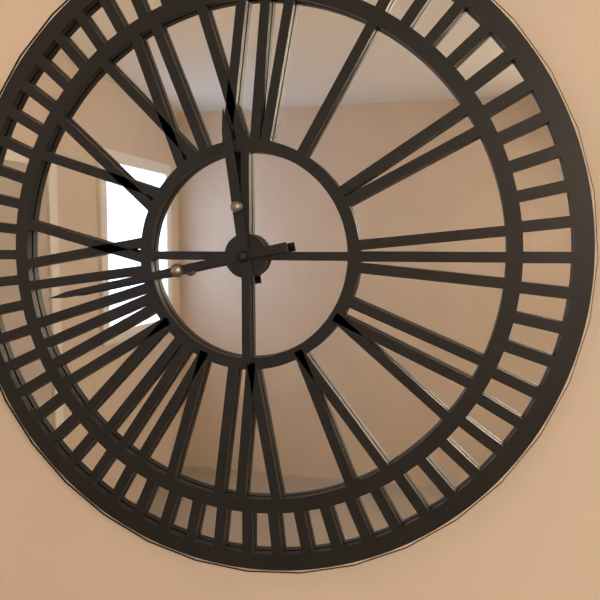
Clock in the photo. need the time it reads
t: 11:43
